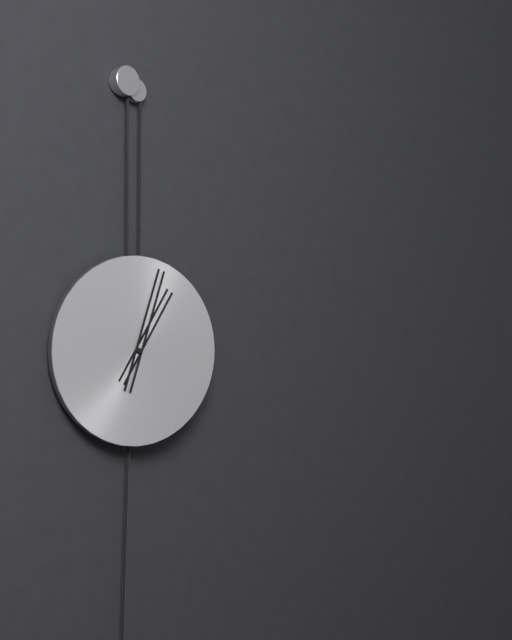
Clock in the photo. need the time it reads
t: 1:03
